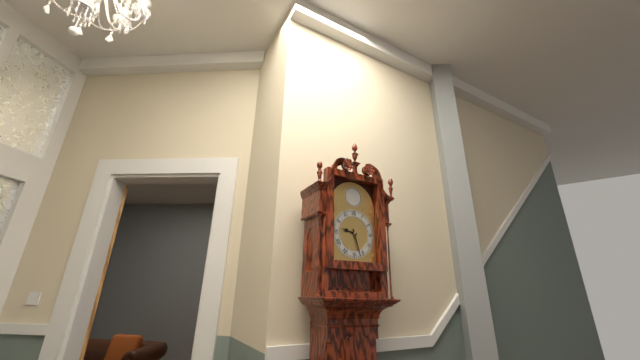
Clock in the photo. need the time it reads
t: 9:27
